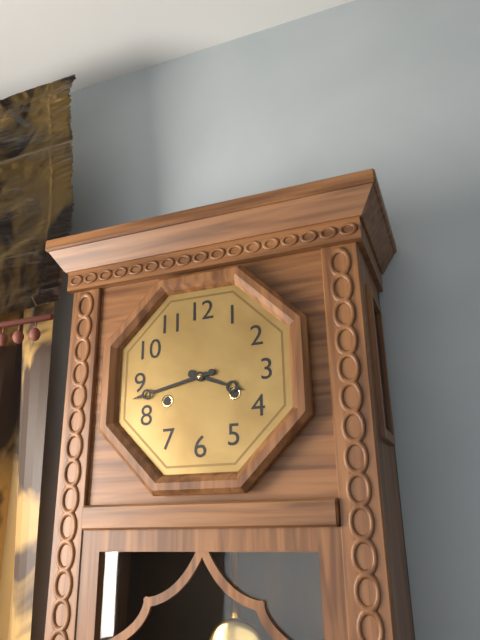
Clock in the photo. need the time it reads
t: 3:43
